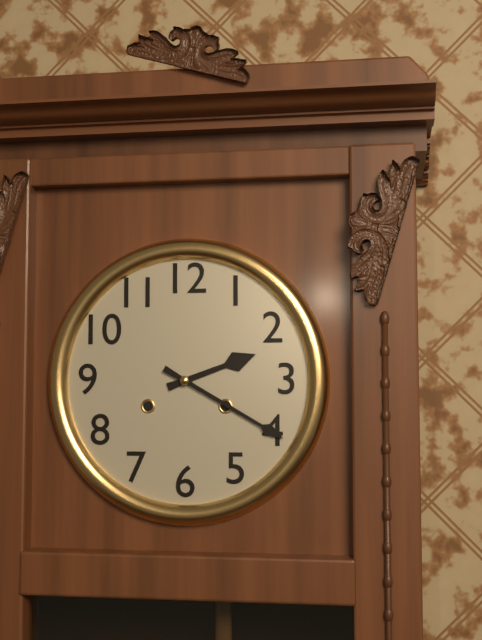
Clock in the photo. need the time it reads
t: 2:20
